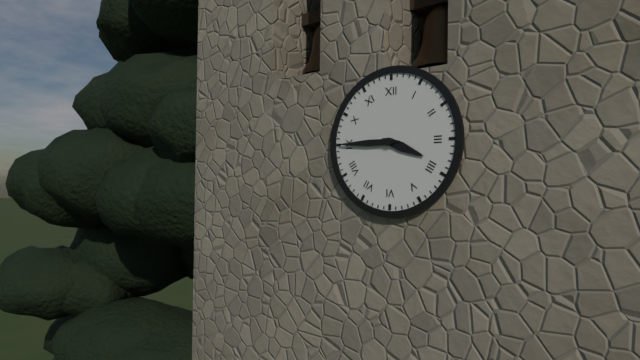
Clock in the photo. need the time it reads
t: 3:45
